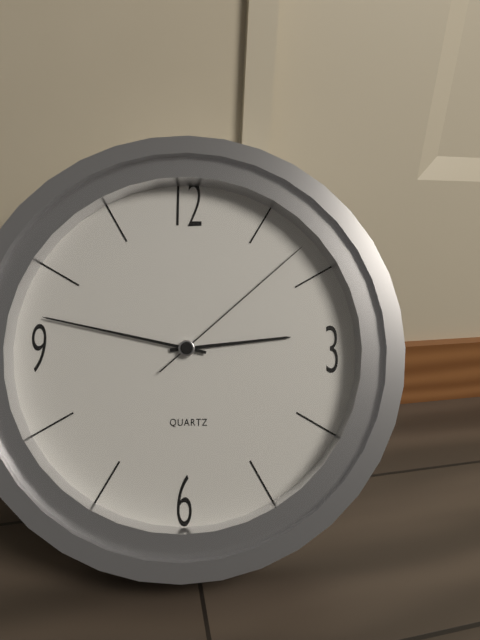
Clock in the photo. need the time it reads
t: 2:47:08
